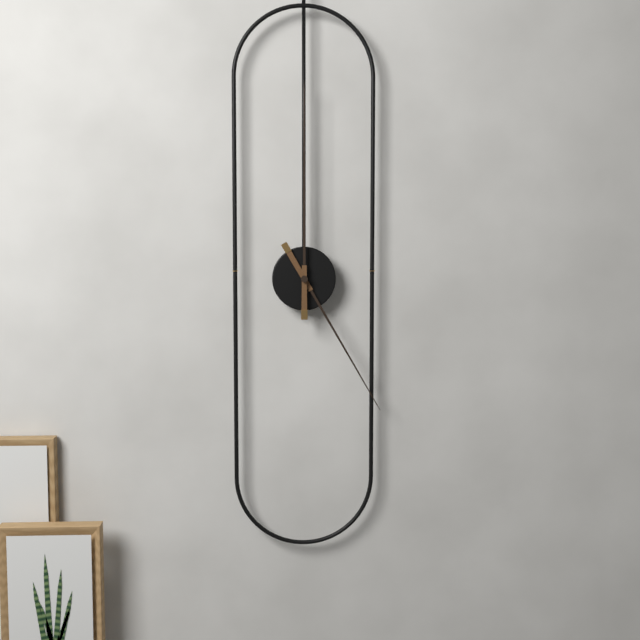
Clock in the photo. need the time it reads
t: 5:00
